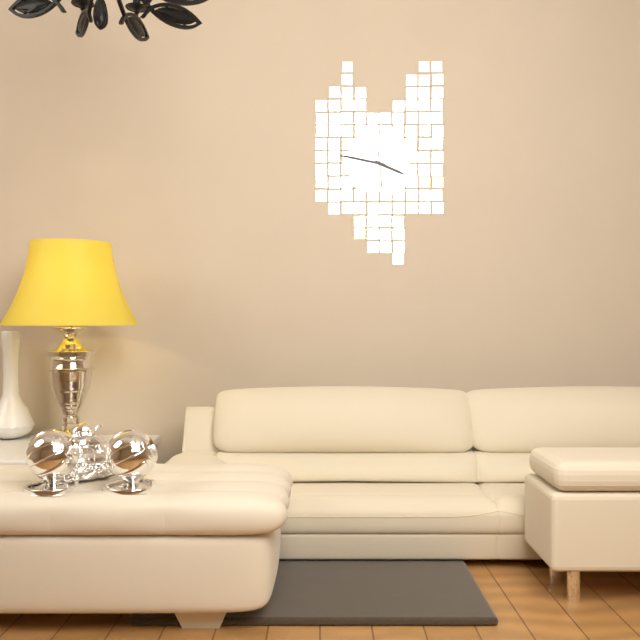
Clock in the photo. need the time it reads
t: 3:47
